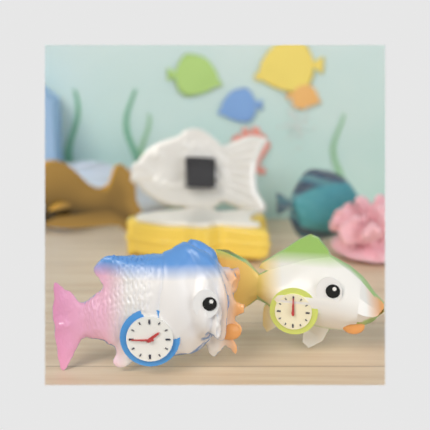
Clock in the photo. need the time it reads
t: 1:45
